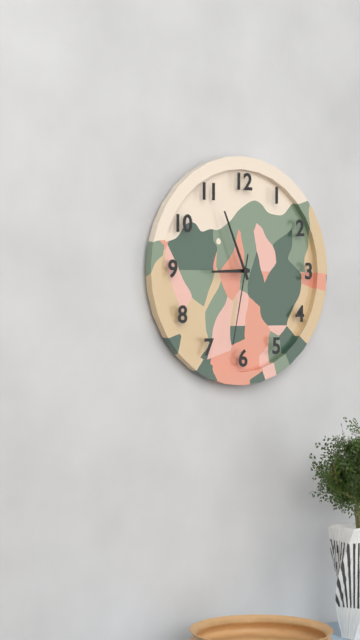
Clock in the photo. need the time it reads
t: 8:56:32
